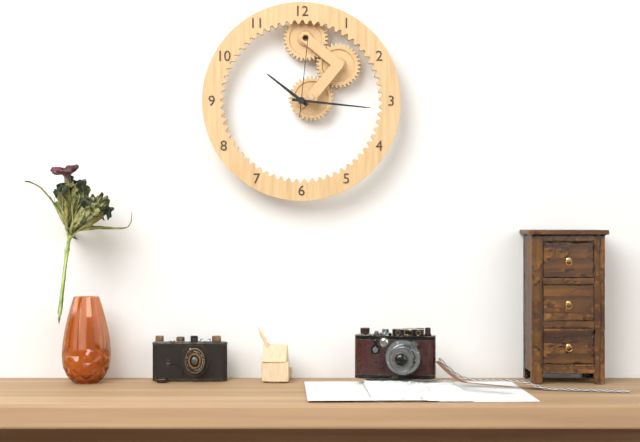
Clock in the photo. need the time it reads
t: 10:16:01
